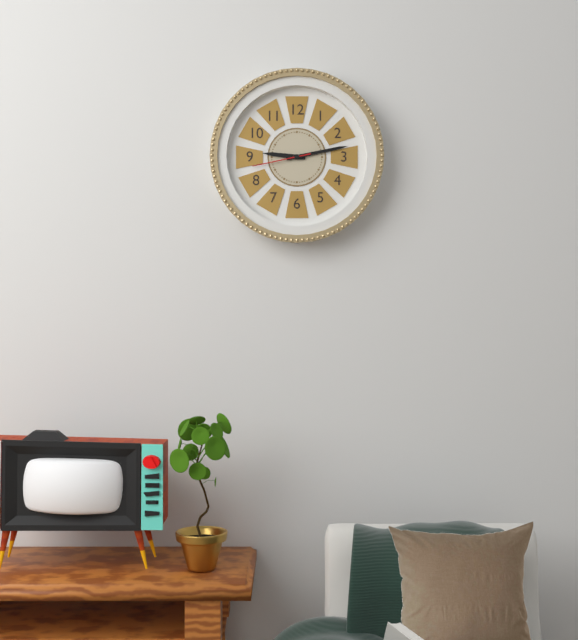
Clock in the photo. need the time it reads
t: 9:13:43
